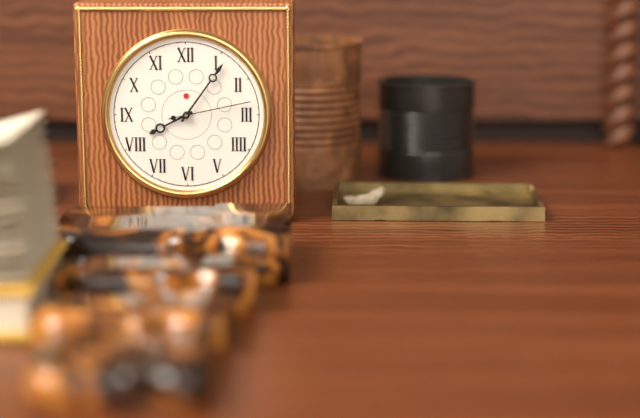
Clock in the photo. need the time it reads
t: 8:06:13
